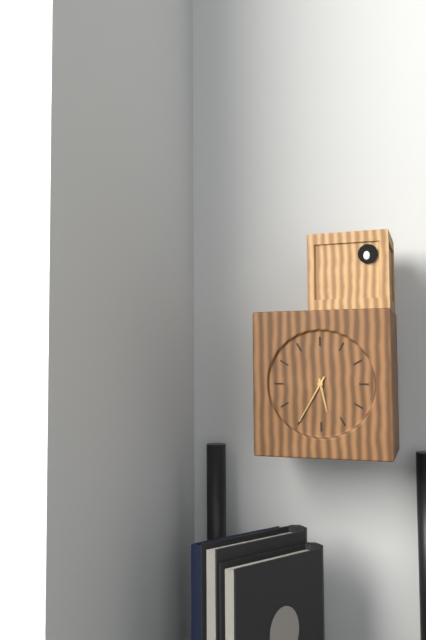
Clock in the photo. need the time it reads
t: 5:35
